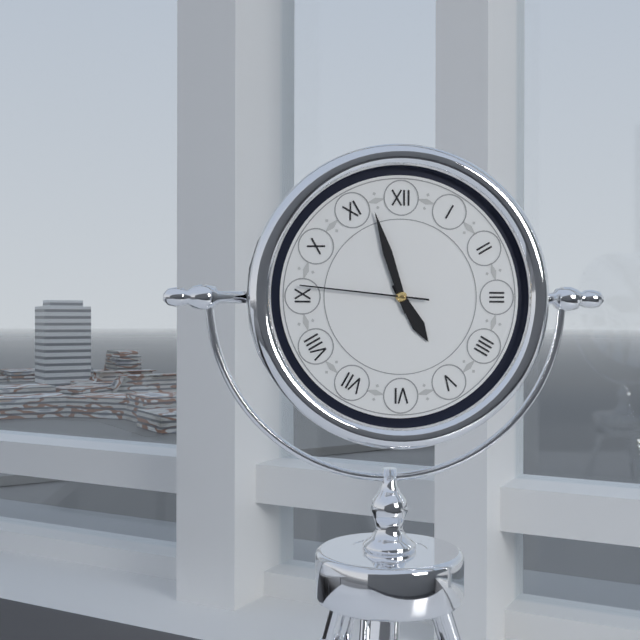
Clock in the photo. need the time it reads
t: 4:57:46
